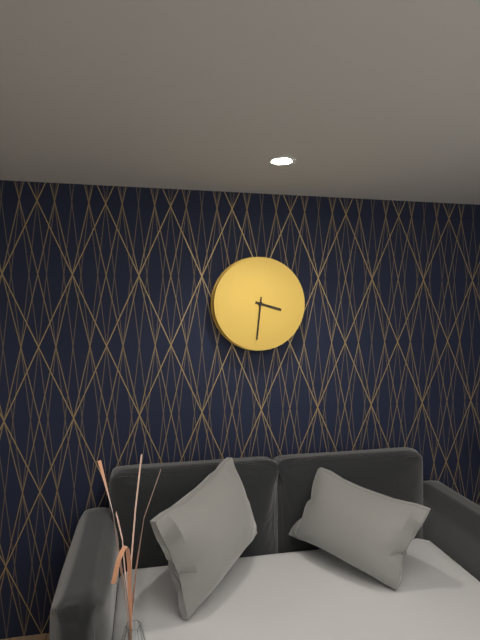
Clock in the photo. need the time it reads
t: 3:31
